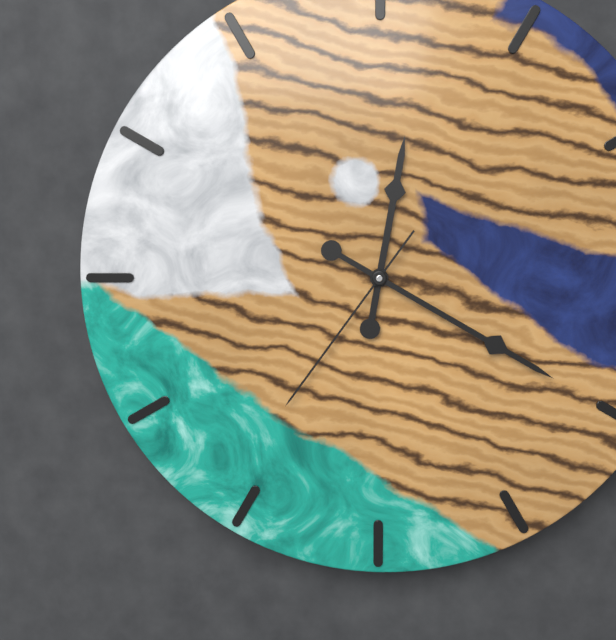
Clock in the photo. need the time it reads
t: 12:20:36
